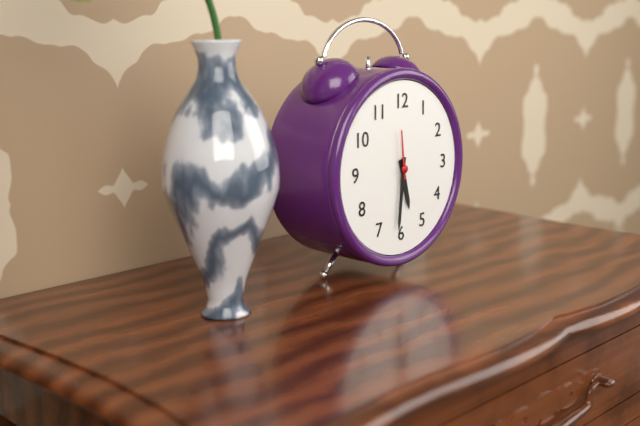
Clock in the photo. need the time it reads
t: 5:31
